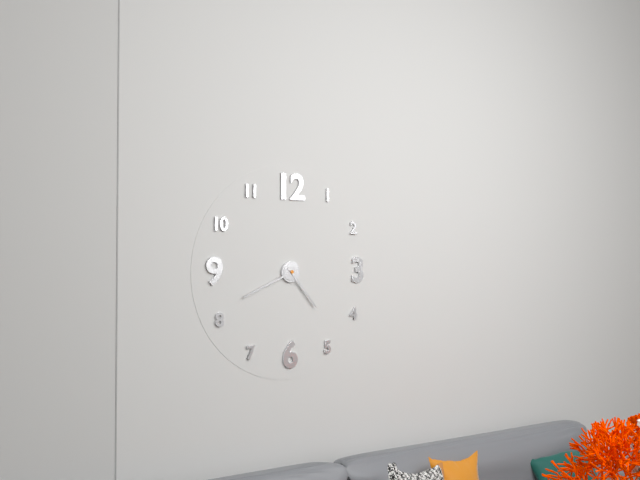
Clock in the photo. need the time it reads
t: 4:41
